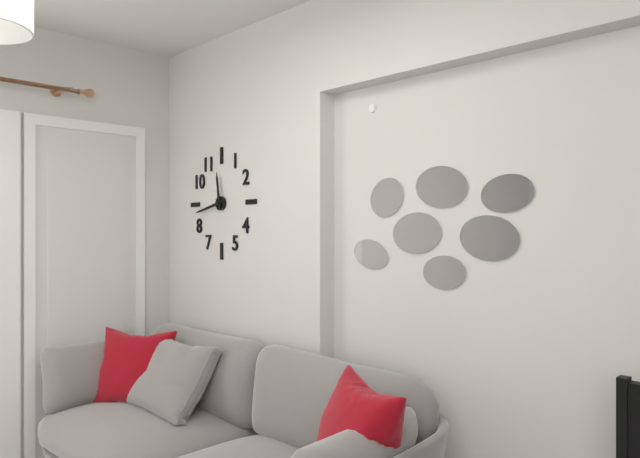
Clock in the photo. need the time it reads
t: 11:43
